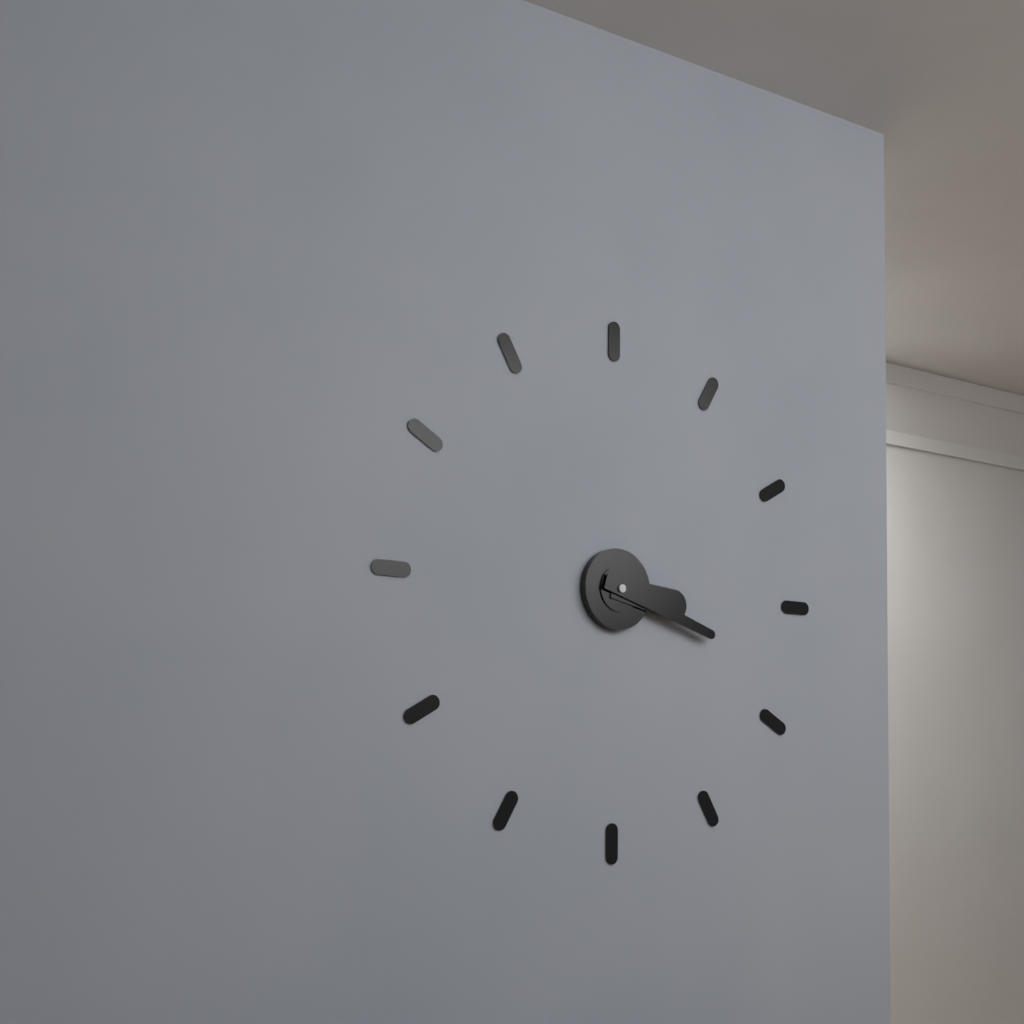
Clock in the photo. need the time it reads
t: 3:18
